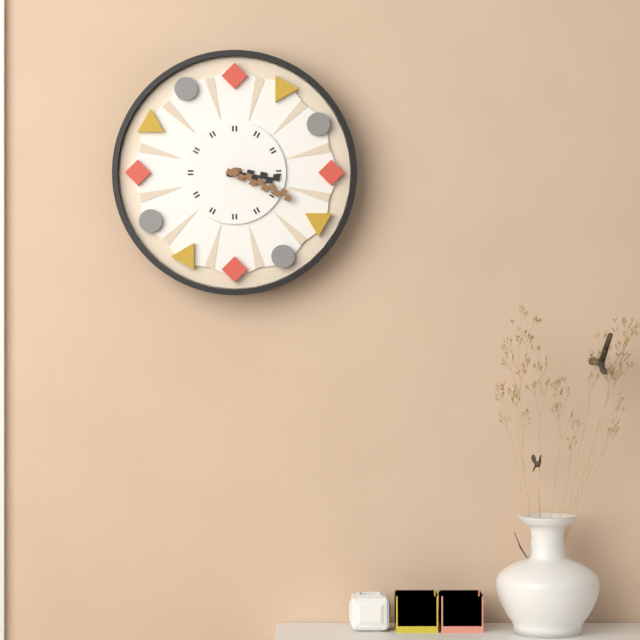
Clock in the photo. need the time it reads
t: 3:19
